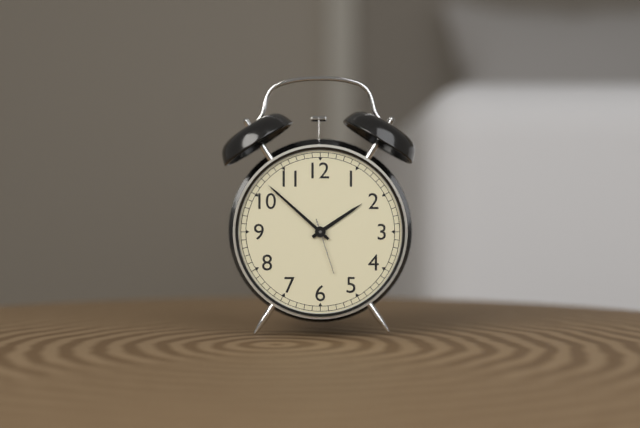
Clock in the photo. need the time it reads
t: 1:52:27
